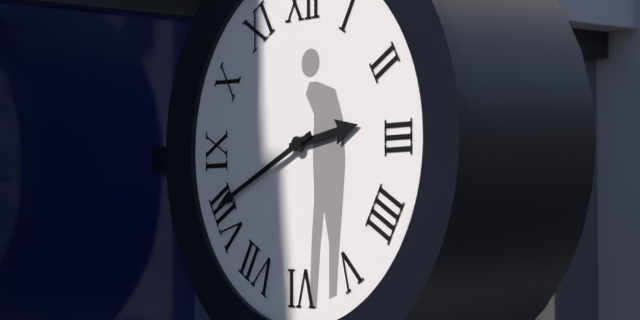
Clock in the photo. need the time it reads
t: 2:41
